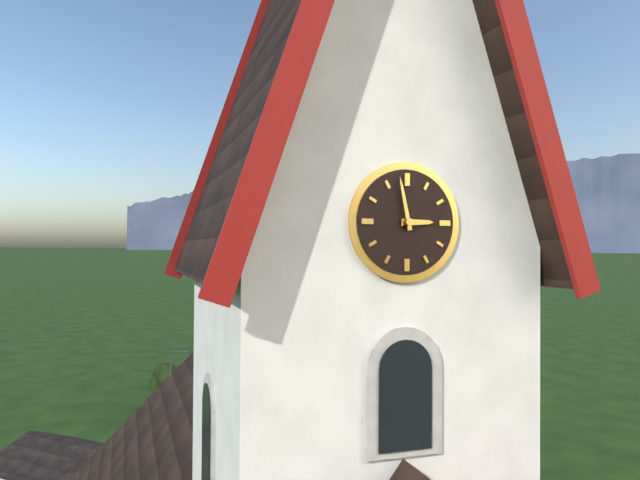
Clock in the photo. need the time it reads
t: 2:58
